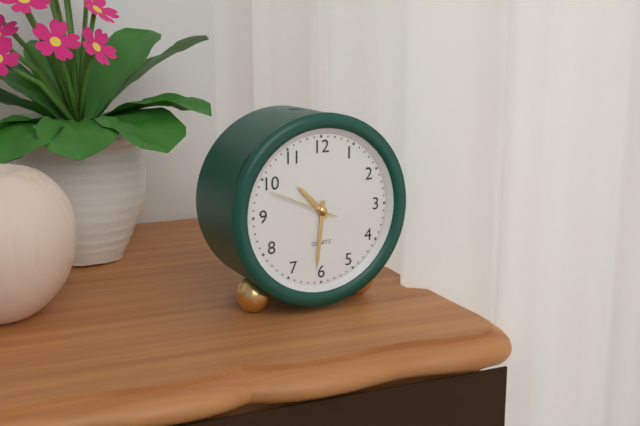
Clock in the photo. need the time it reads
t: 10:31:49
